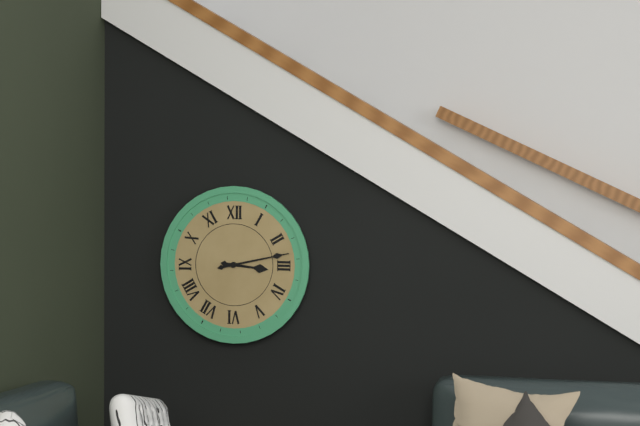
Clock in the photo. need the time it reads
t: 3:13
